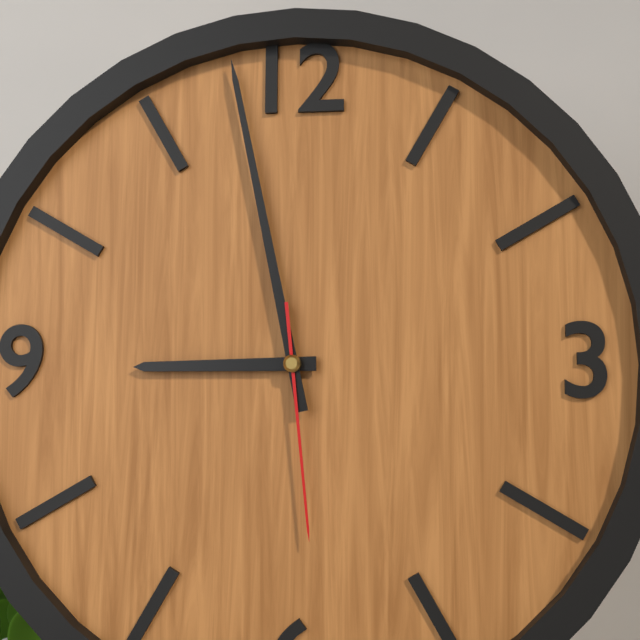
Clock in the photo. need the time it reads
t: 8:58:29
